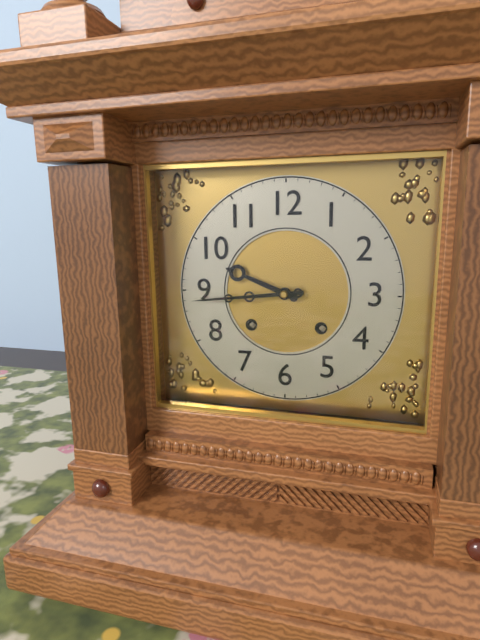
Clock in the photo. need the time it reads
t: 9:44
